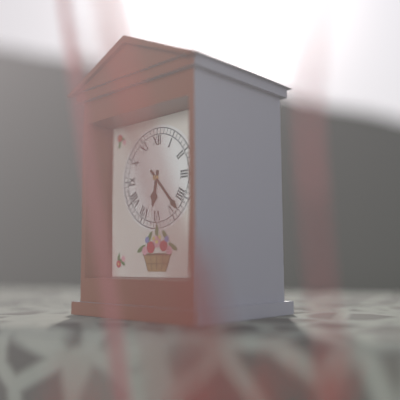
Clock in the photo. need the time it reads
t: 6:23
